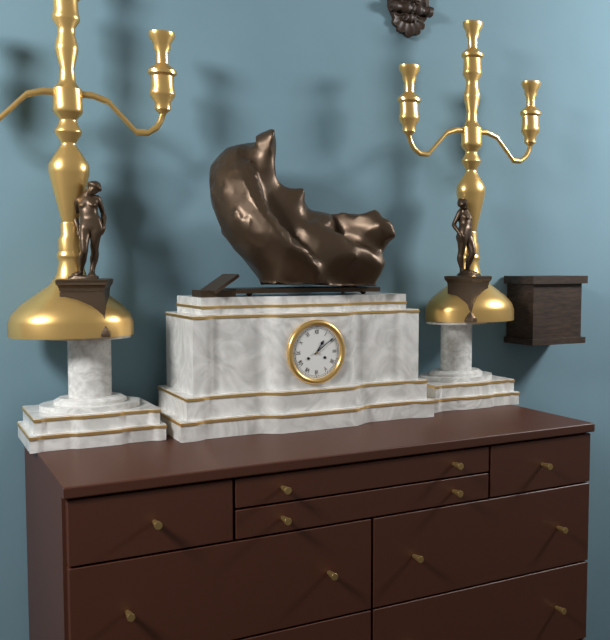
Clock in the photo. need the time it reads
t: 1:09
